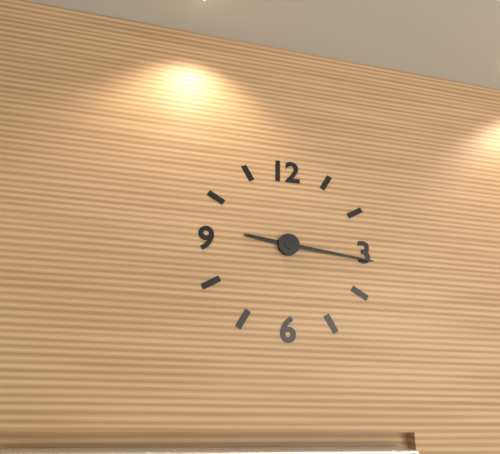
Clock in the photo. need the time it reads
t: 9:16
